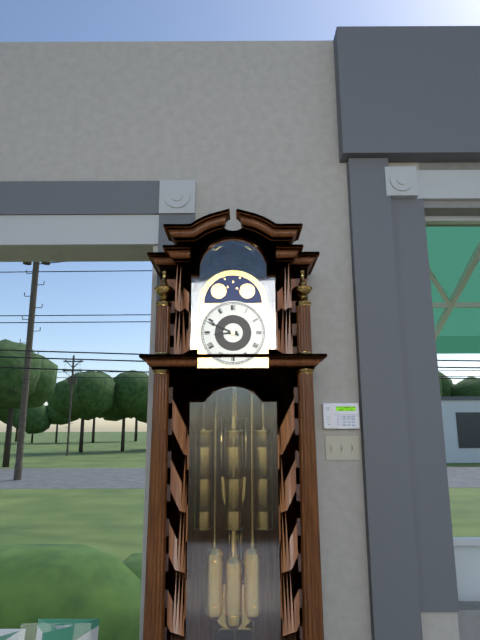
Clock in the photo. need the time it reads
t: 8:49
